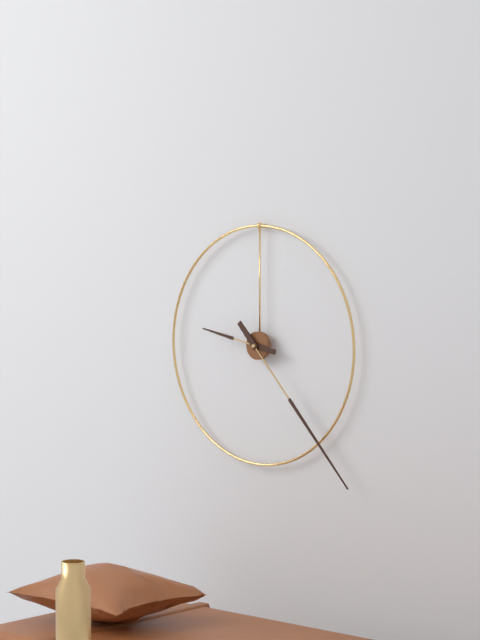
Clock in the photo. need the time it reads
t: 9:23
